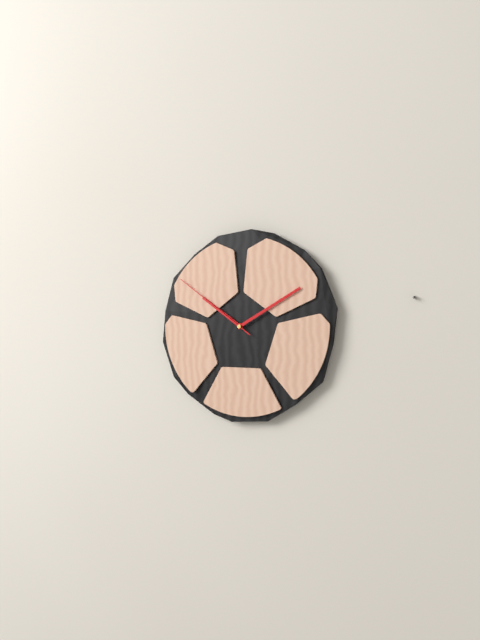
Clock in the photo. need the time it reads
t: 10:10:51
